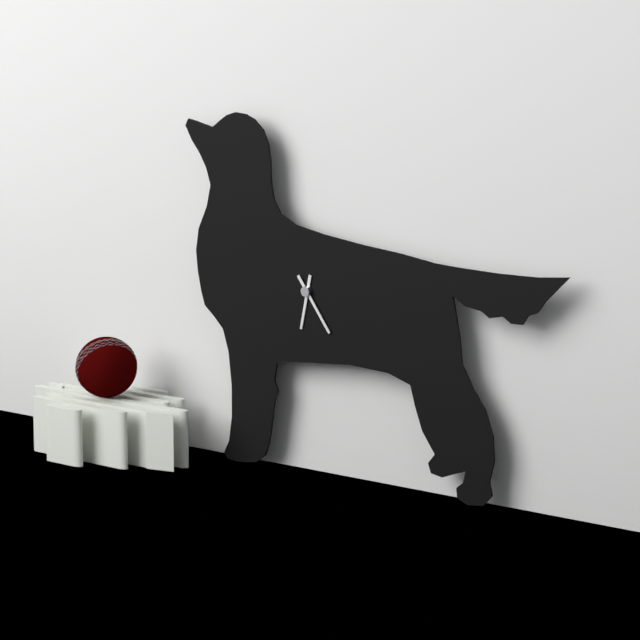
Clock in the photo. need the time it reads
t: 6:24
